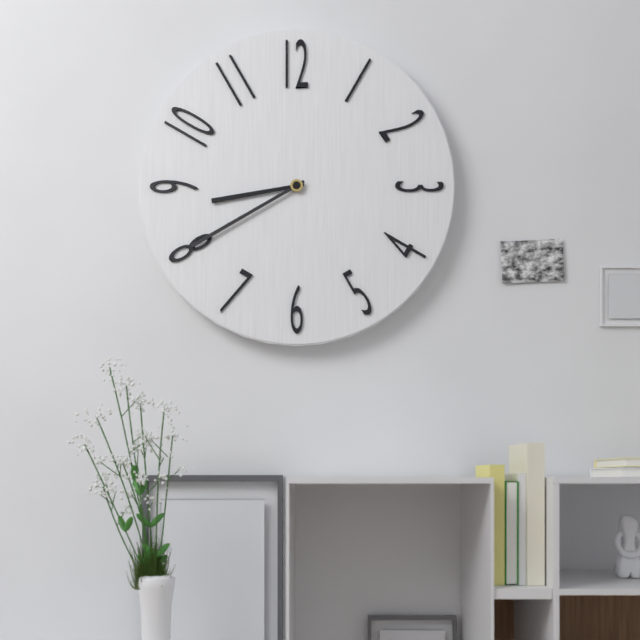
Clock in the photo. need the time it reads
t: 8:40
